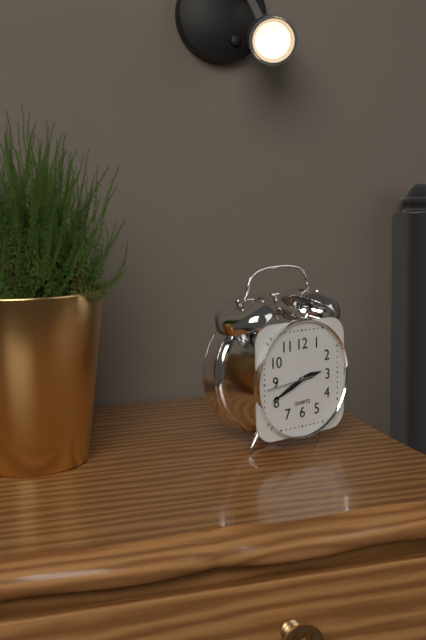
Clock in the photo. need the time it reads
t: 2:41
